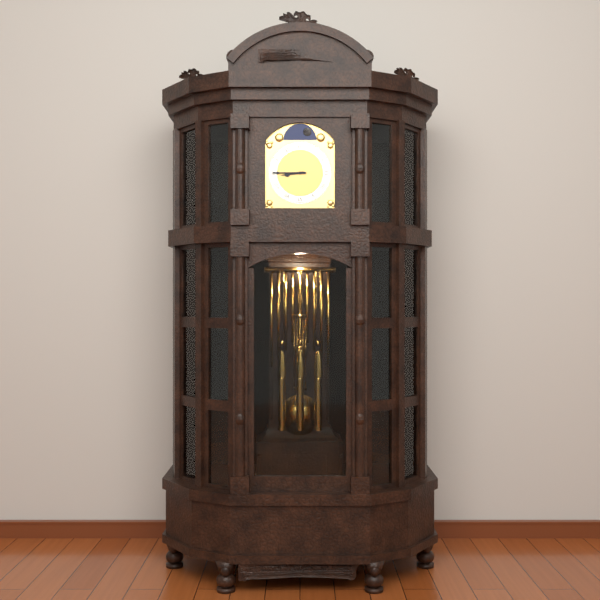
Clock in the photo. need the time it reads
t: 8:45
